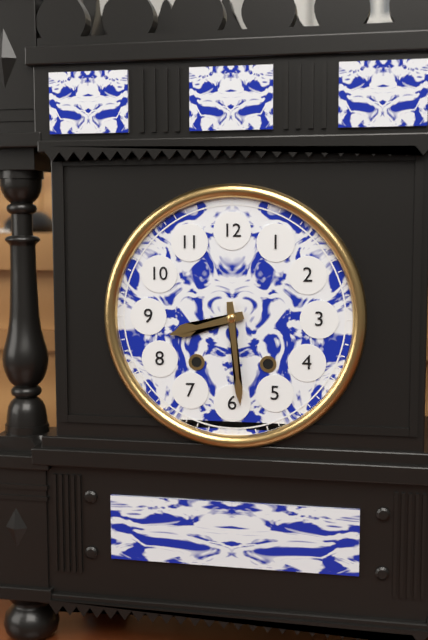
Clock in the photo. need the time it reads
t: 8:29
